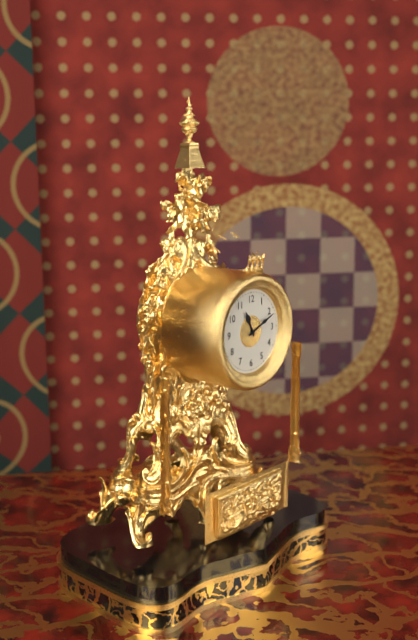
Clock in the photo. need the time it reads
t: 11:11
